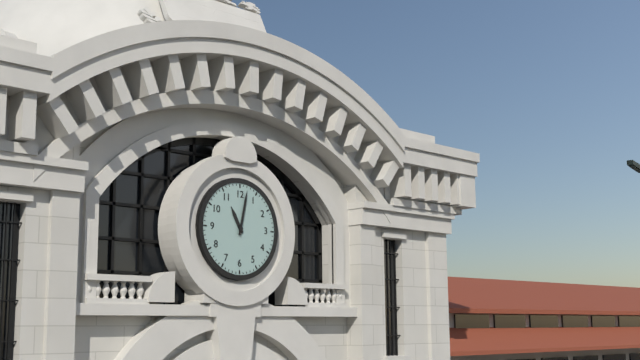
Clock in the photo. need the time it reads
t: 11:02
